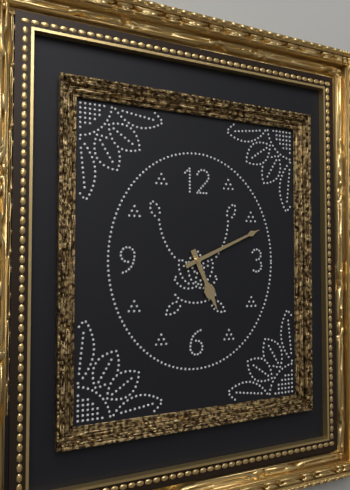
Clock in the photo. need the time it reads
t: 5:11
